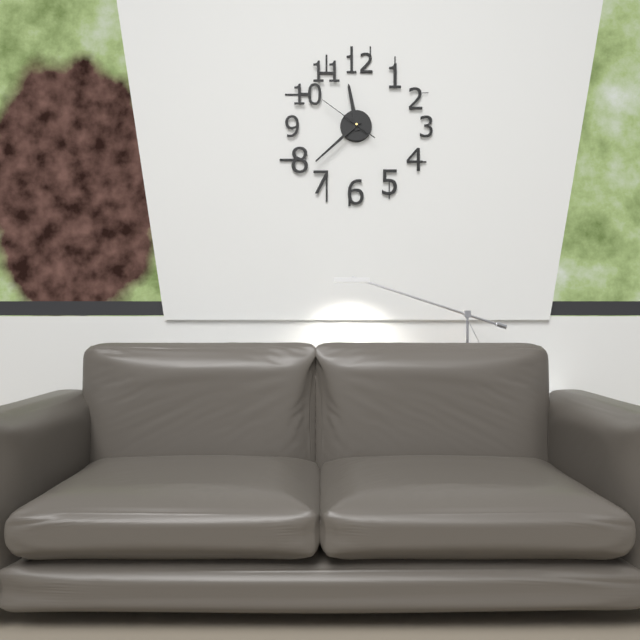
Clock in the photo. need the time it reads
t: 11:38:51
